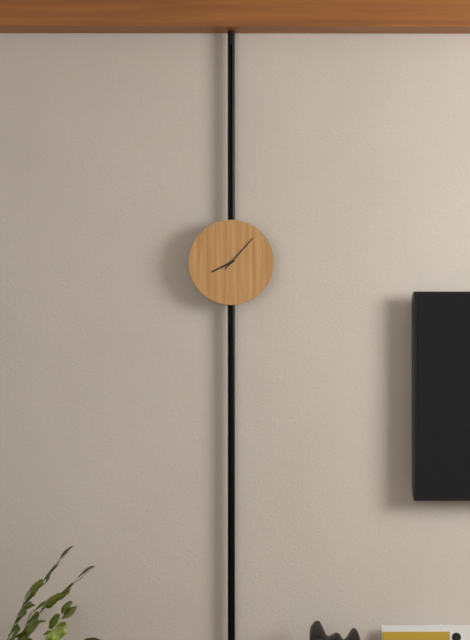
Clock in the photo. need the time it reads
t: 8:07
